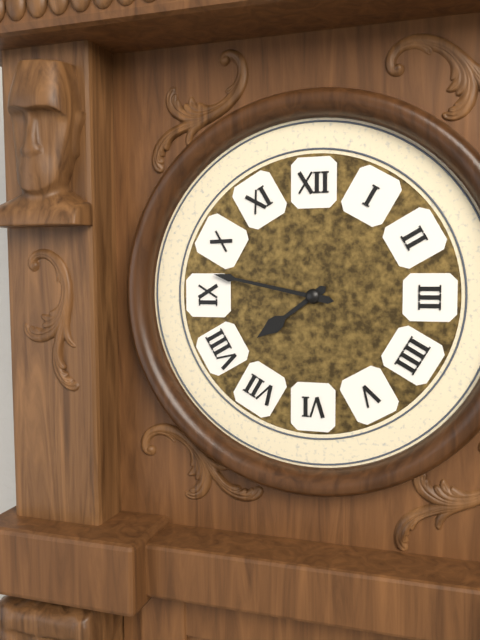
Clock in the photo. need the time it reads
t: 7:47
